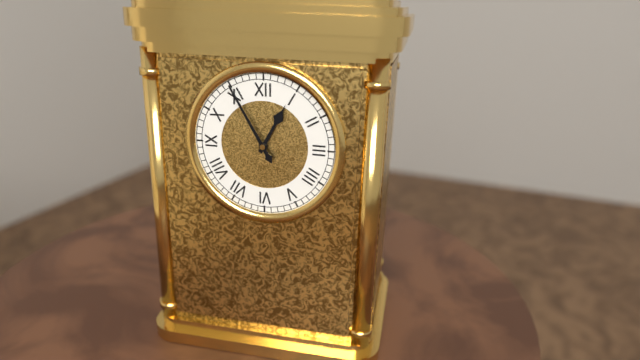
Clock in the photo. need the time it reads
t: 12:55
